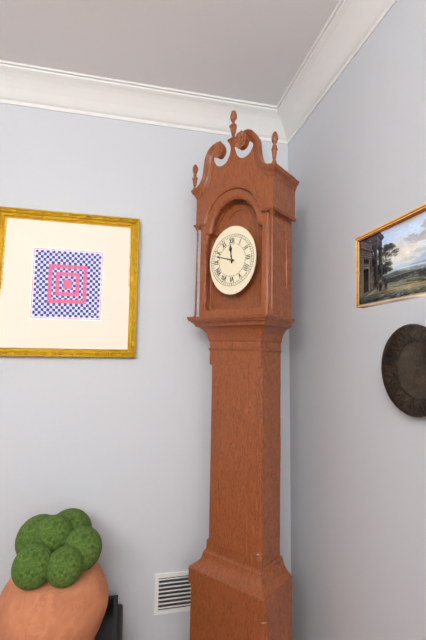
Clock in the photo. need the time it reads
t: 11:48
